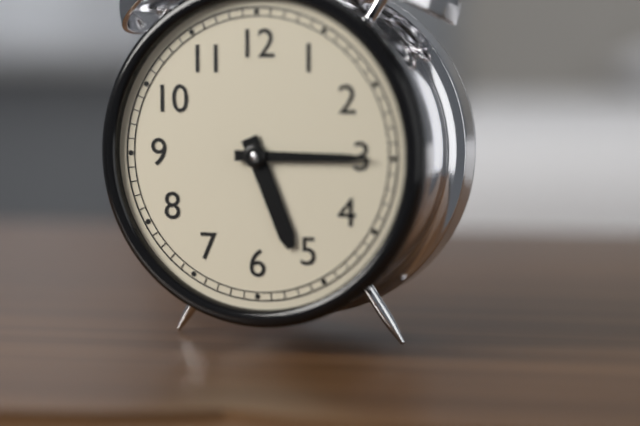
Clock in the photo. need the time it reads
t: 5:15
